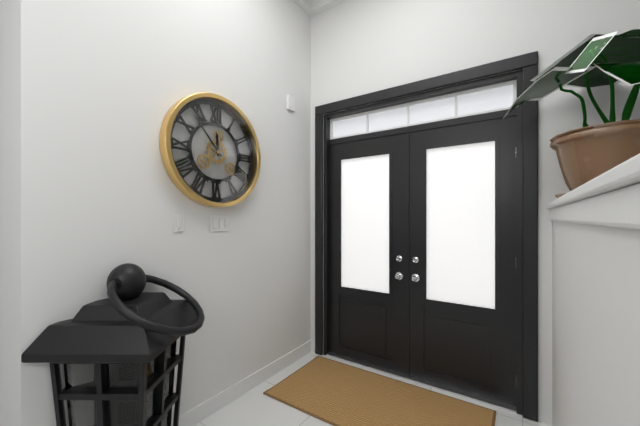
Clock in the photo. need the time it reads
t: 11:53
